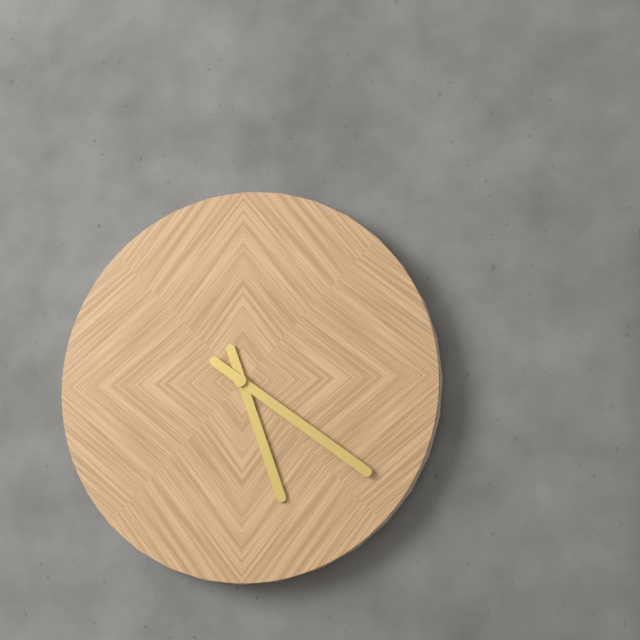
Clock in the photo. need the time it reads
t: 5:21
